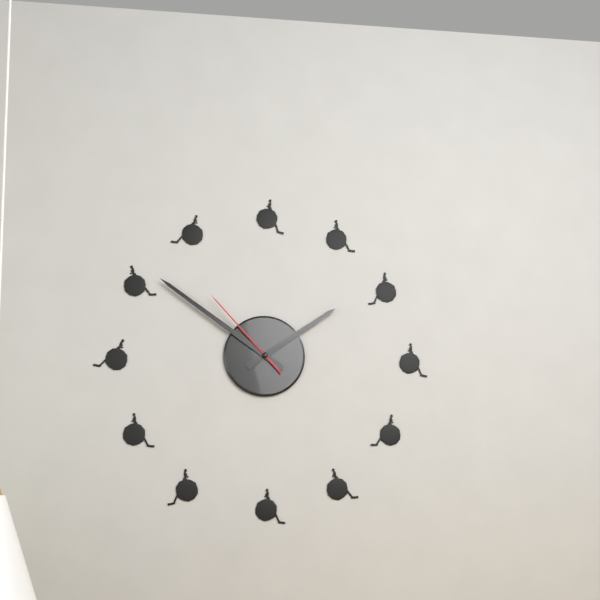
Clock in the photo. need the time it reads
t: 1:51:53
